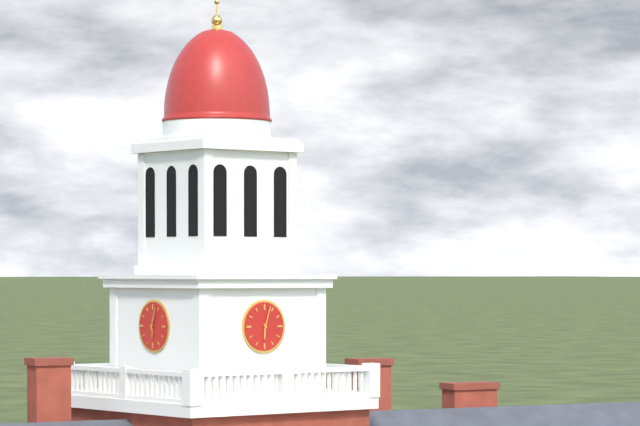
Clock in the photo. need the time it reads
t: 6:03
